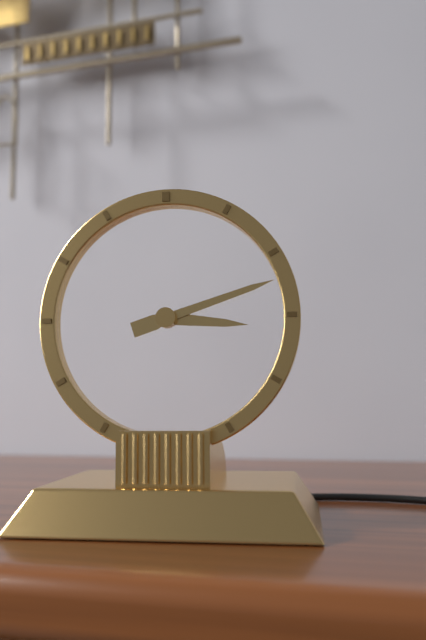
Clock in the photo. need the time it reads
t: 3:12
